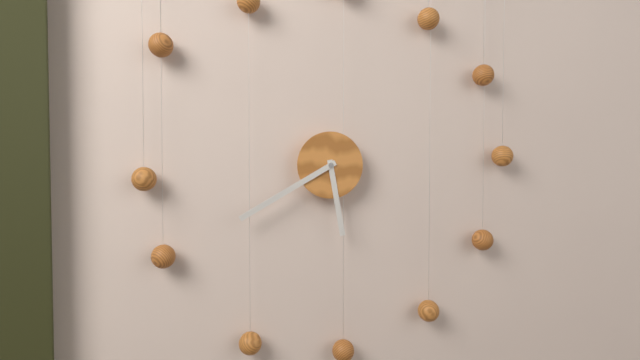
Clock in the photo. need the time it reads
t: 5:40
